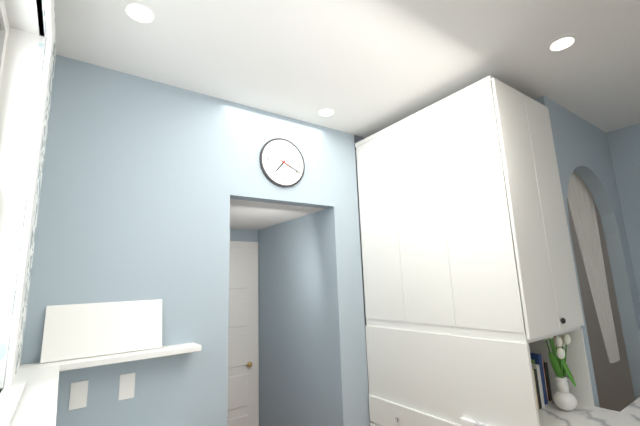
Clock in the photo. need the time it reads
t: 7:19
